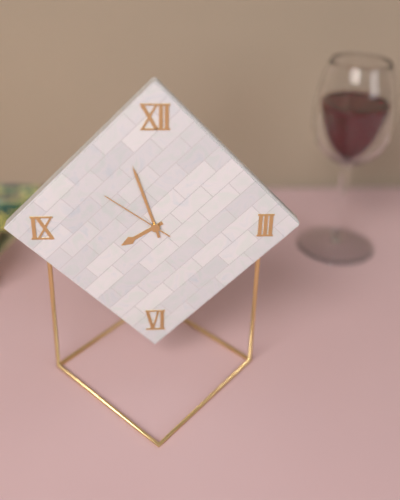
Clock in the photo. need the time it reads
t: 7:57:51
